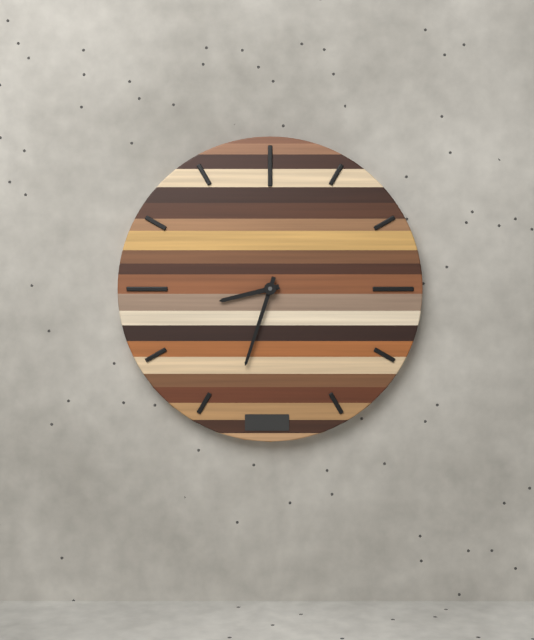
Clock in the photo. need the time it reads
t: 8:33
